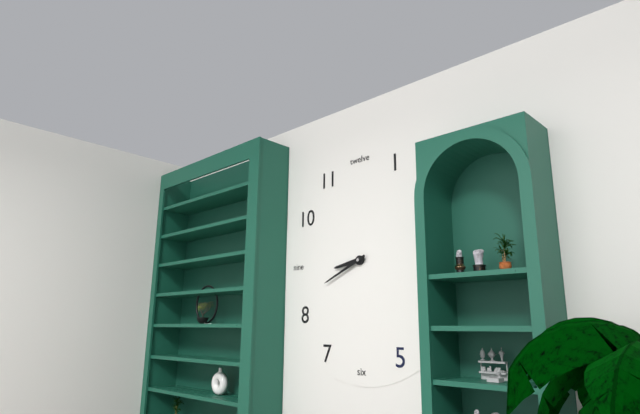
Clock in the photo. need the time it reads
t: 8:41
